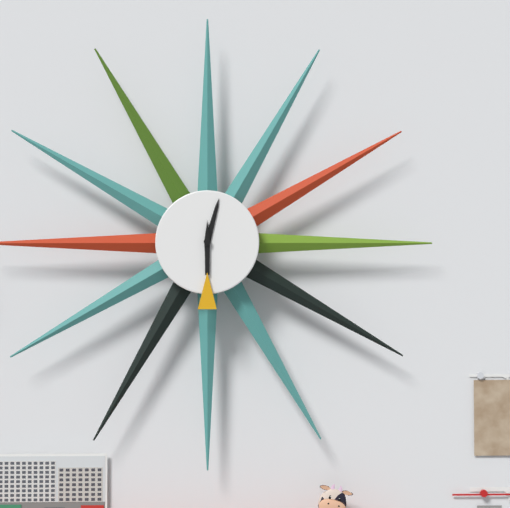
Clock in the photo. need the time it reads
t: 12:30
